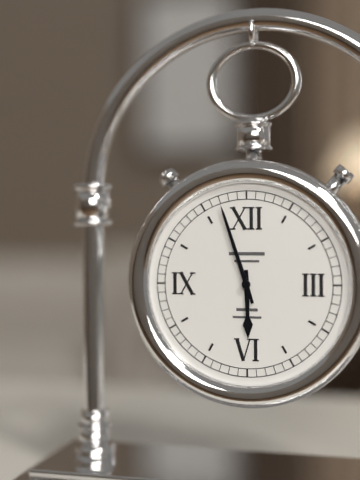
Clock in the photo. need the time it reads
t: 5:57
